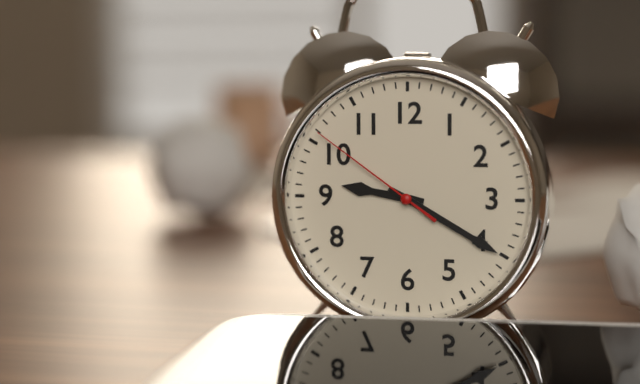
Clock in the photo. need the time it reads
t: 9:20:51
